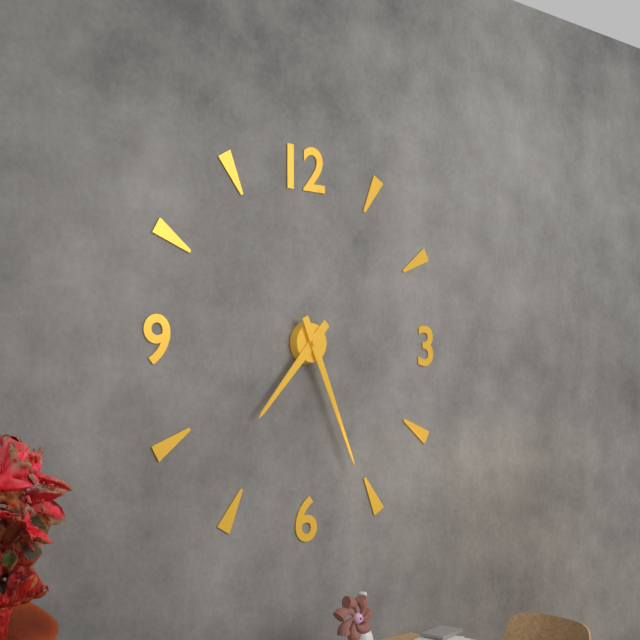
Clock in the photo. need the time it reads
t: 7:26
